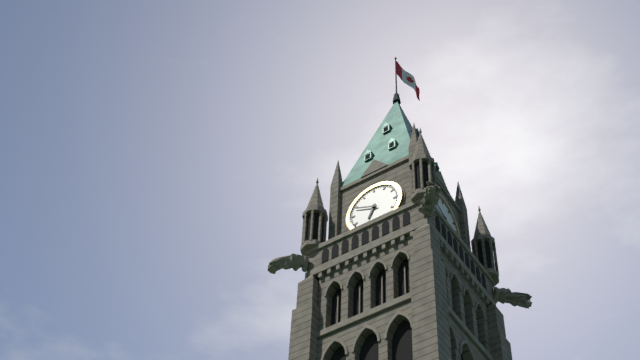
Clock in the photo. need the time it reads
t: 6:49
